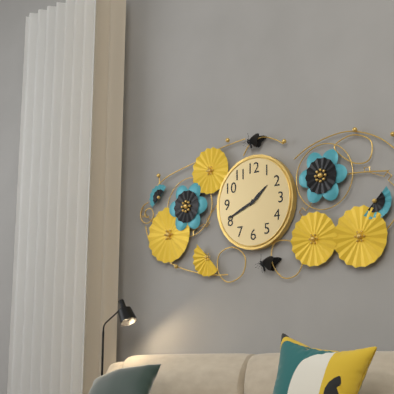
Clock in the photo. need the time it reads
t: 1:41
